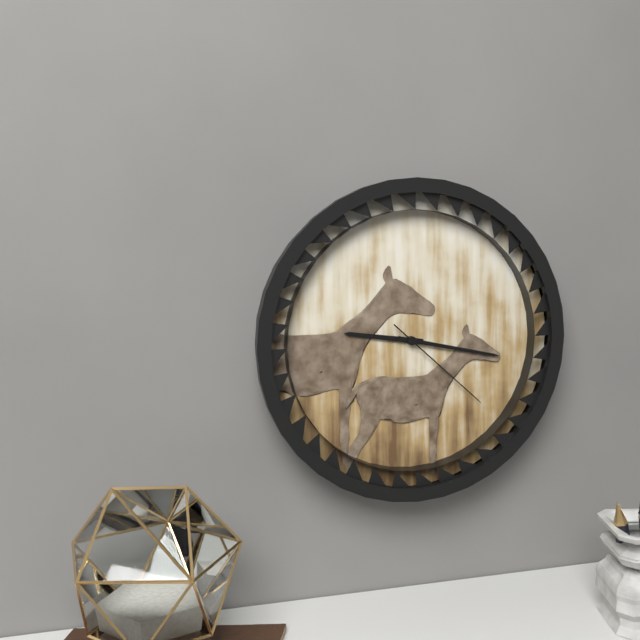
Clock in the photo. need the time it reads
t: 9:17:22
